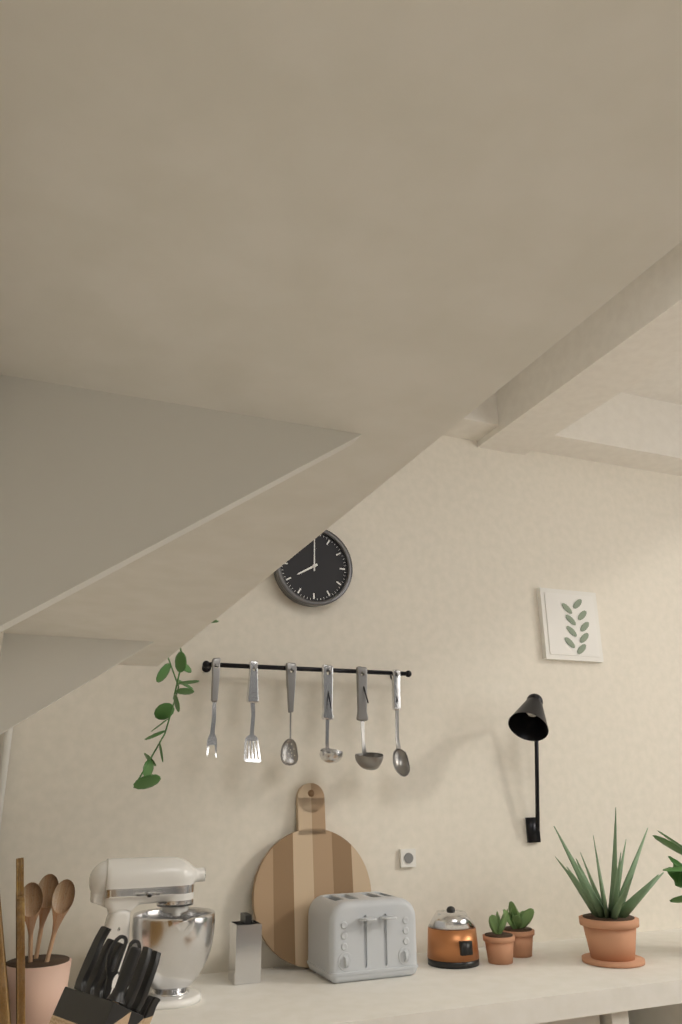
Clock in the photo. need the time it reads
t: 8:00
